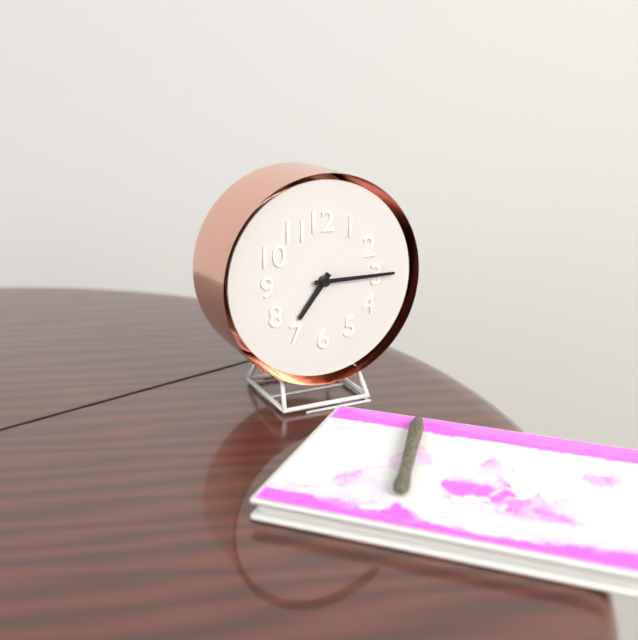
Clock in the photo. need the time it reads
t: 7:15
